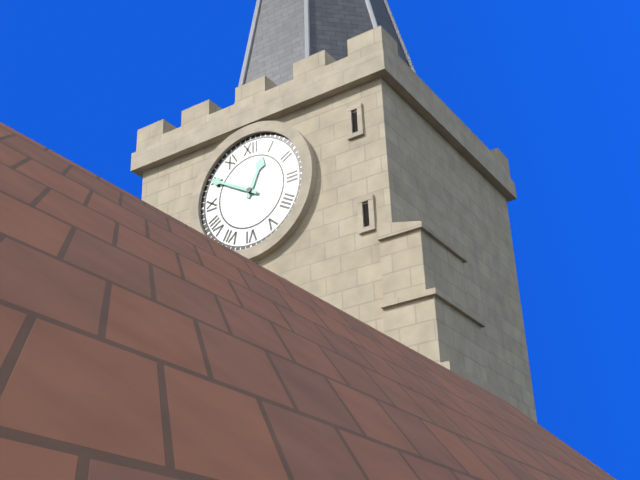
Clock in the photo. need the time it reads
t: 12:50
